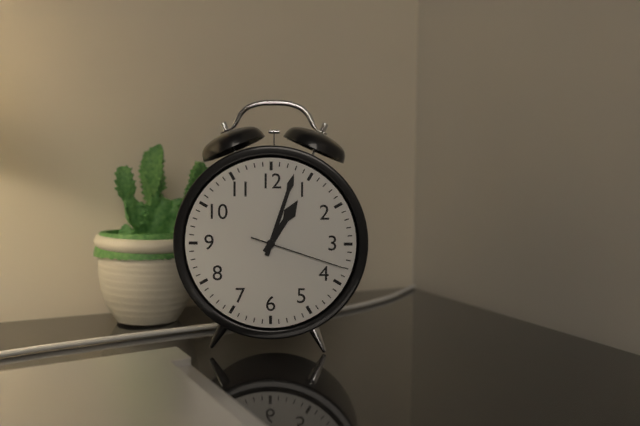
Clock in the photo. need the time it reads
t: 1:03:18
